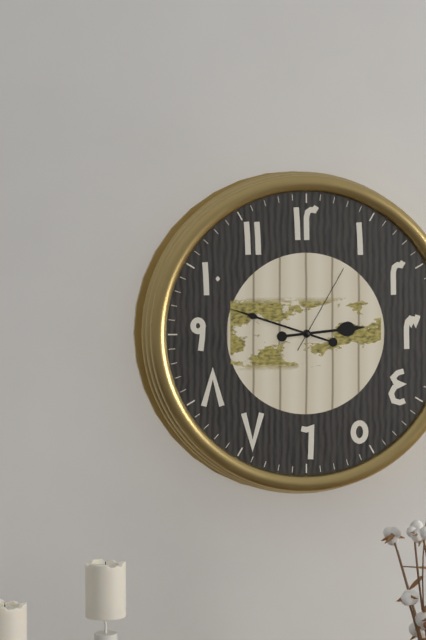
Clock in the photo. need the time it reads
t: 2:48:05
